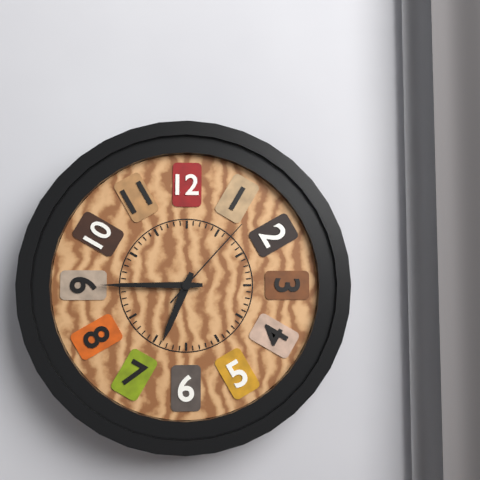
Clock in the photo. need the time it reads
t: 6:45:07
